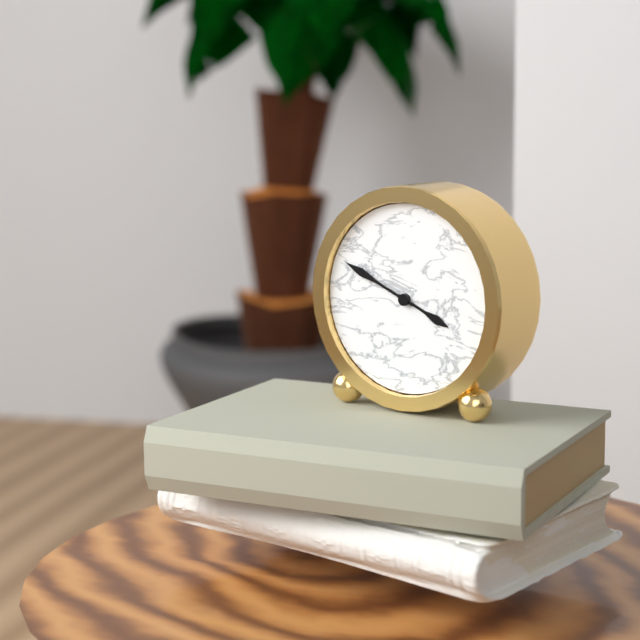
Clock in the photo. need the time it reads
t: 3:49
